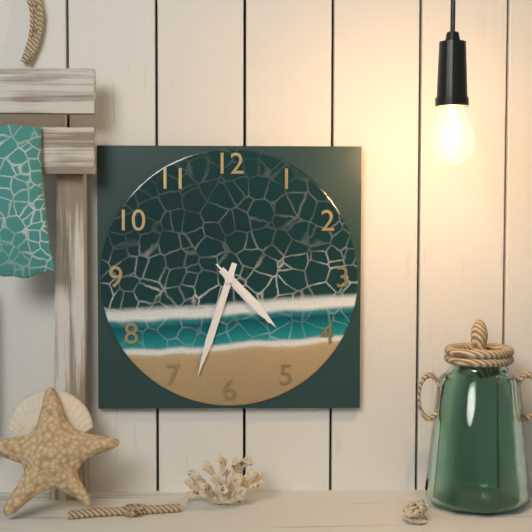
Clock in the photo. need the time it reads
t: 4:33:23
